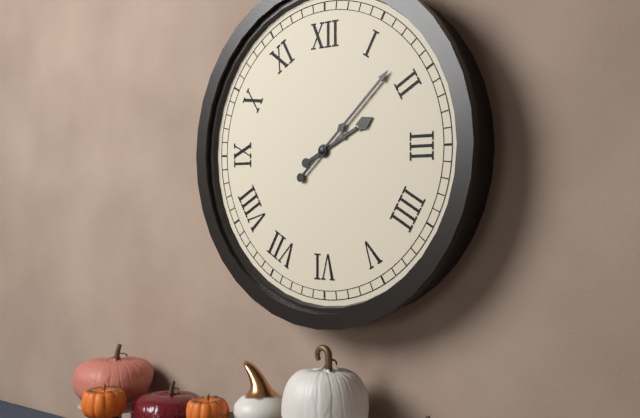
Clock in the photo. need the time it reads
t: 2:08
